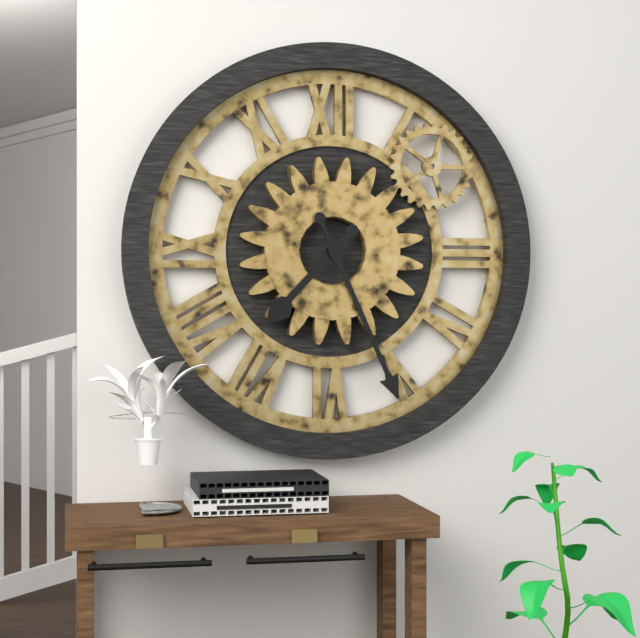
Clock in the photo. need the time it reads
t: 7:26
